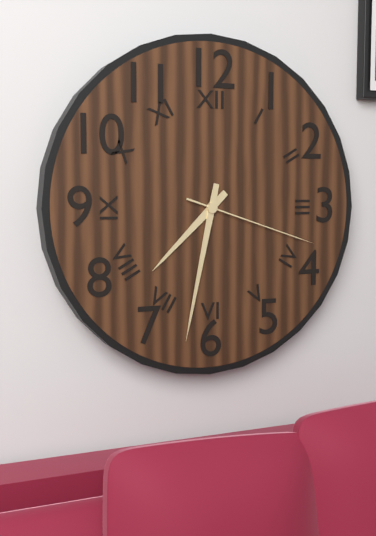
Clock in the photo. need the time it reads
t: 7:32:18
